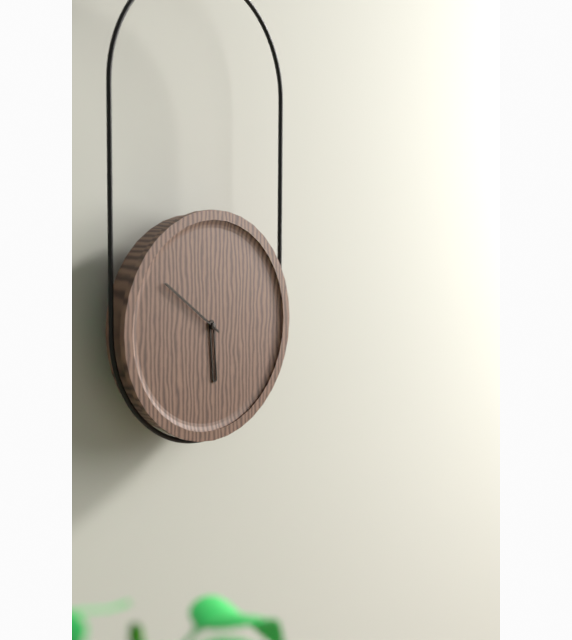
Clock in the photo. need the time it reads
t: 5:51
